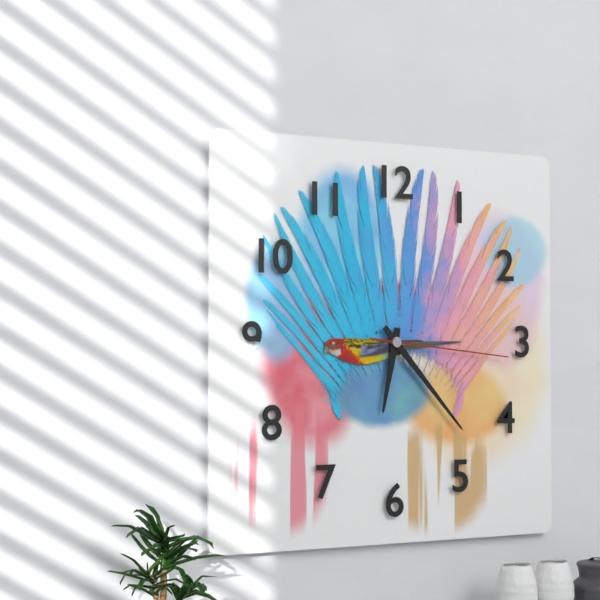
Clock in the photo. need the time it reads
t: 6:23:16
